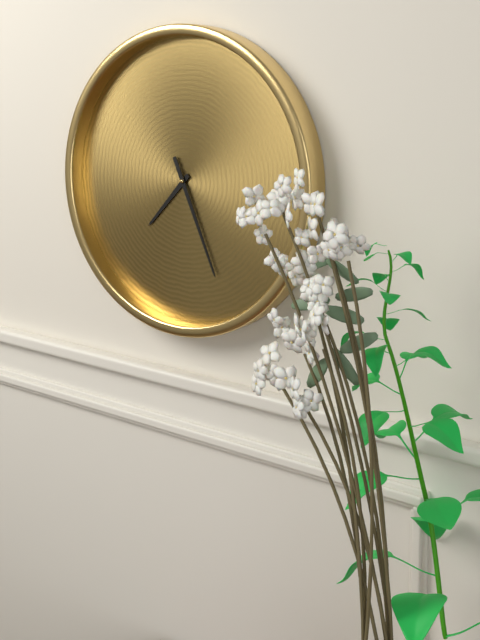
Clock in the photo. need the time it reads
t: 7:26
